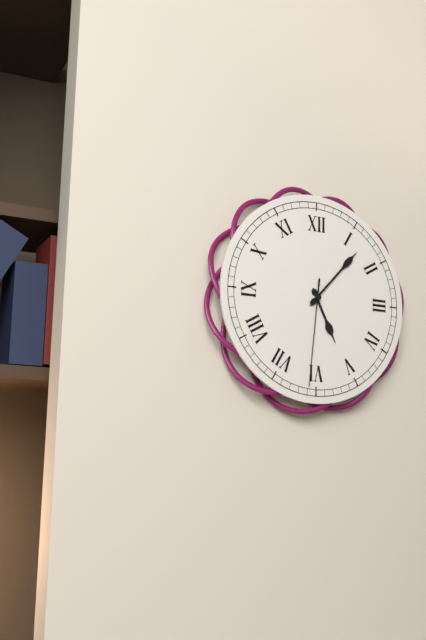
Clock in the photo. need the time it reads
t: 5:07:31
